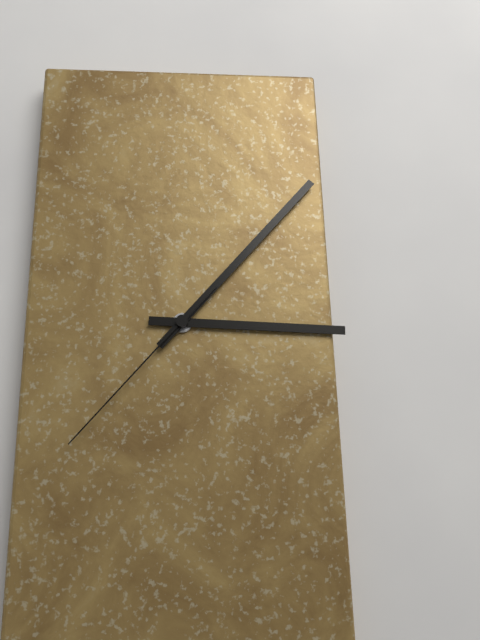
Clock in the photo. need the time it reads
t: 3:07:37
